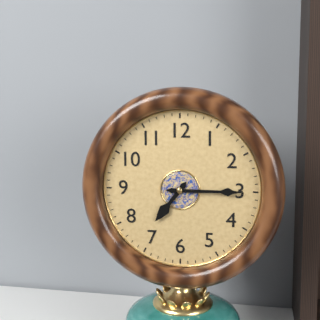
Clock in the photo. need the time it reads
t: 7:15
